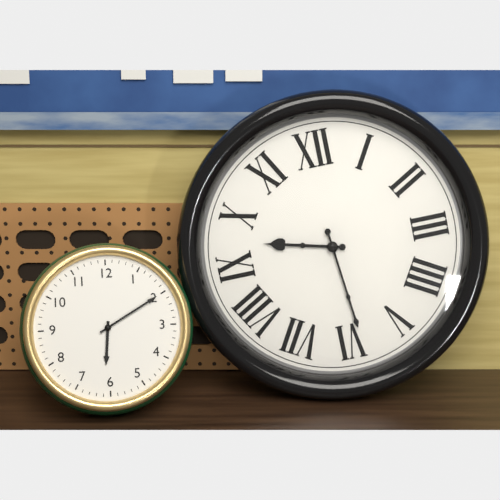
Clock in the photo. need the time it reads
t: 9:29
